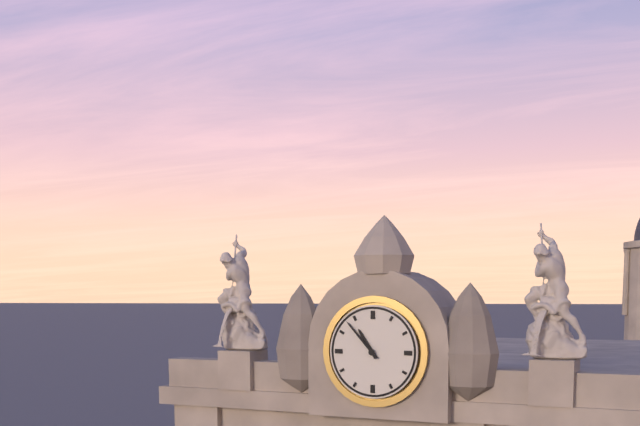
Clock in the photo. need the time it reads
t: 10:53
